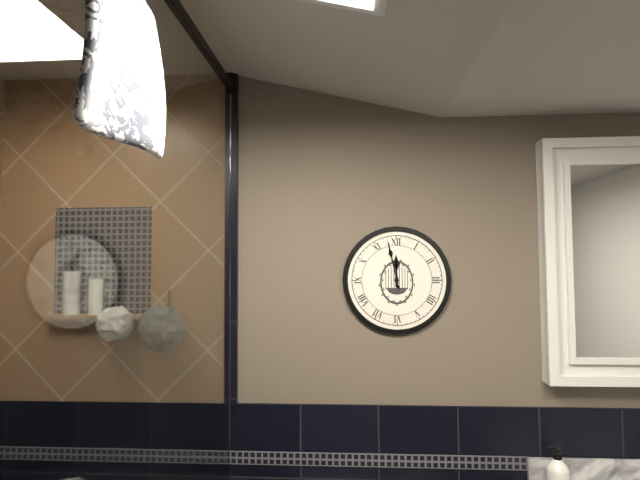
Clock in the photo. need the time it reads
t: 11:58
